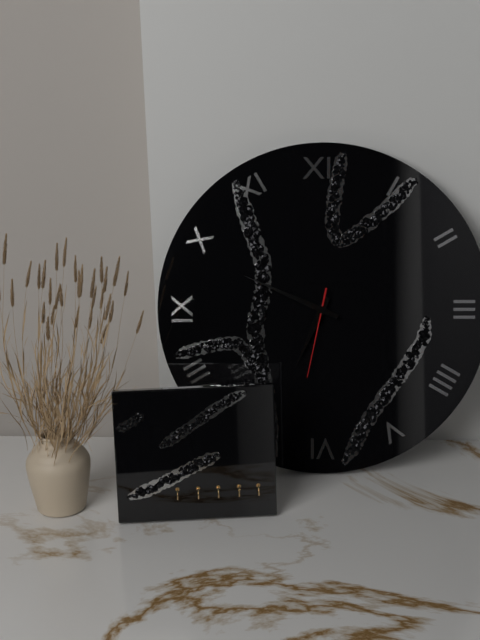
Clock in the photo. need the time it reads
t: 6:49:32
